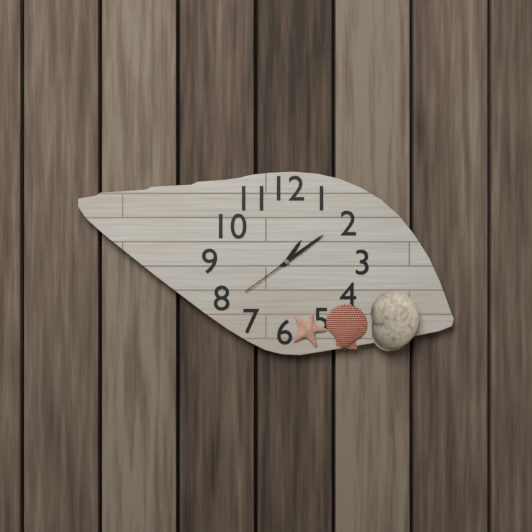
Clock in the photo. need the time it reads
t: 1:09:39
